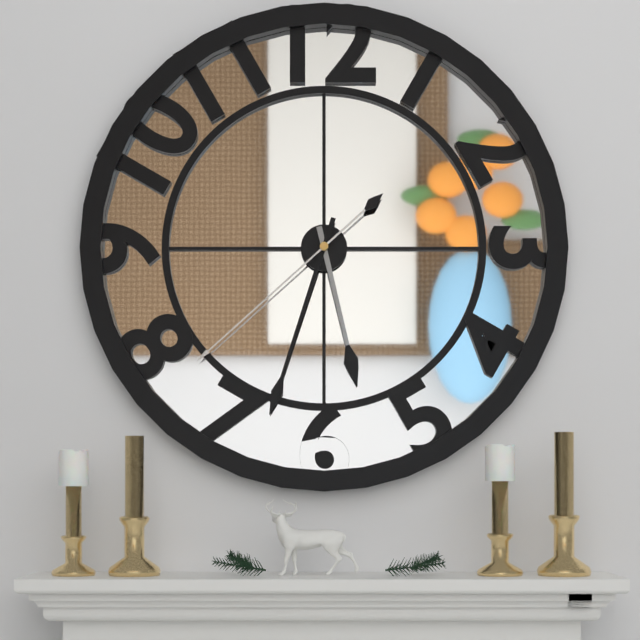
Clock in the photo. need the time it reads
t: 5:33:38
